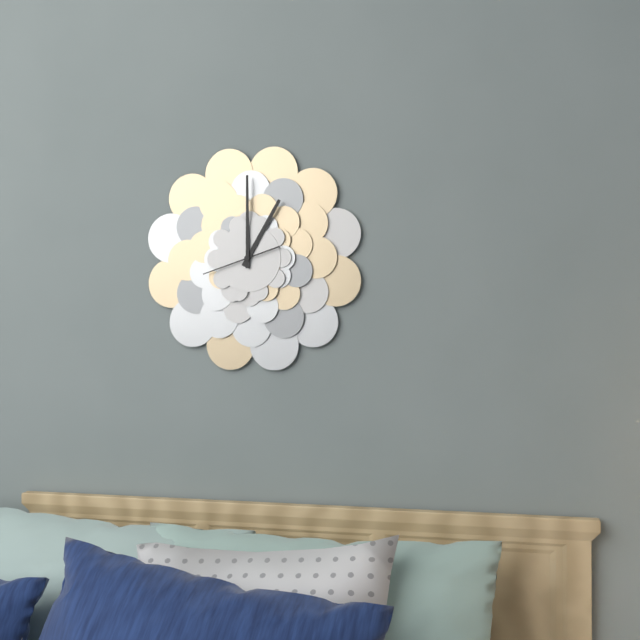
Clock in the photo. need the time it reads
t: 1:00:42
